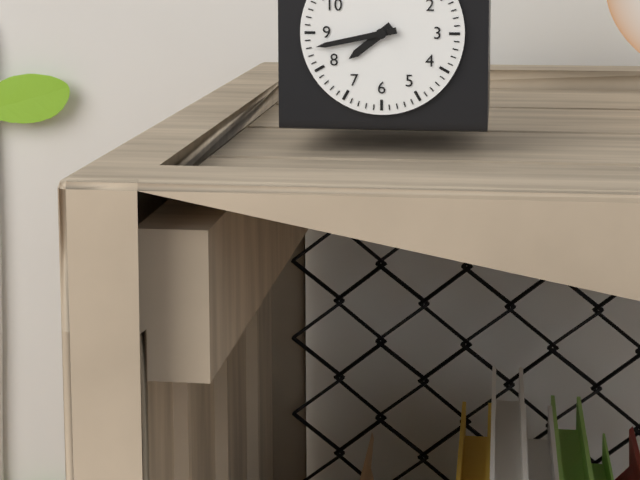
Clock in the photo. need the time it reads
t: 7:43
